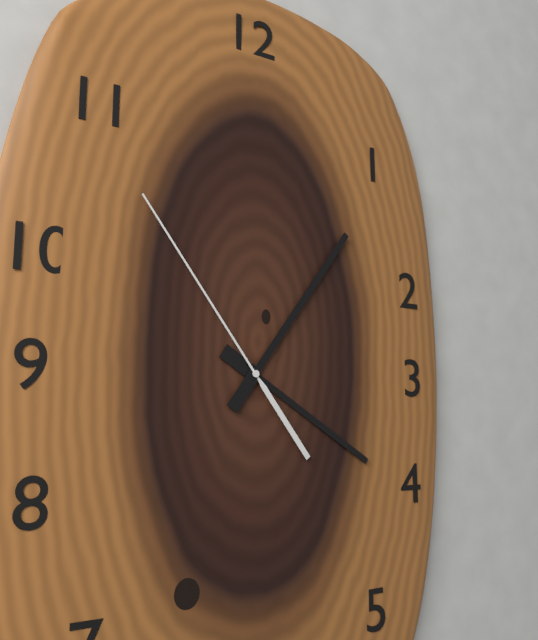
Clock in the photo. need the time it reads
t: 4:06:54
